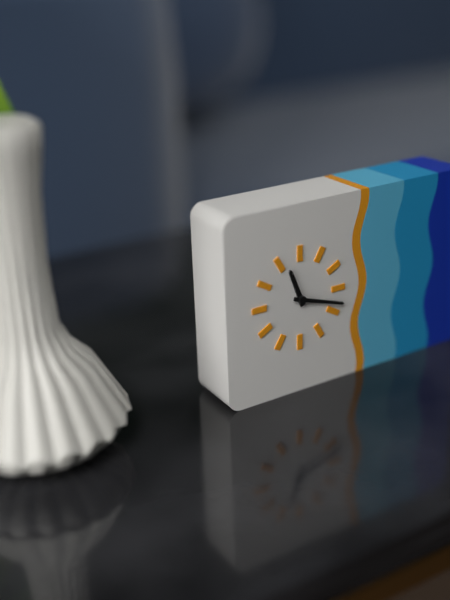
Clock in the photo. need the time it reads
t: 11:18
